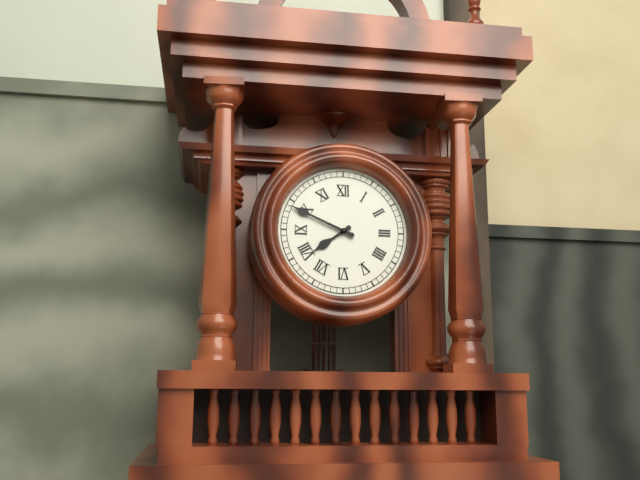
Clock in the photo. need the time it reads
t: 7:49
